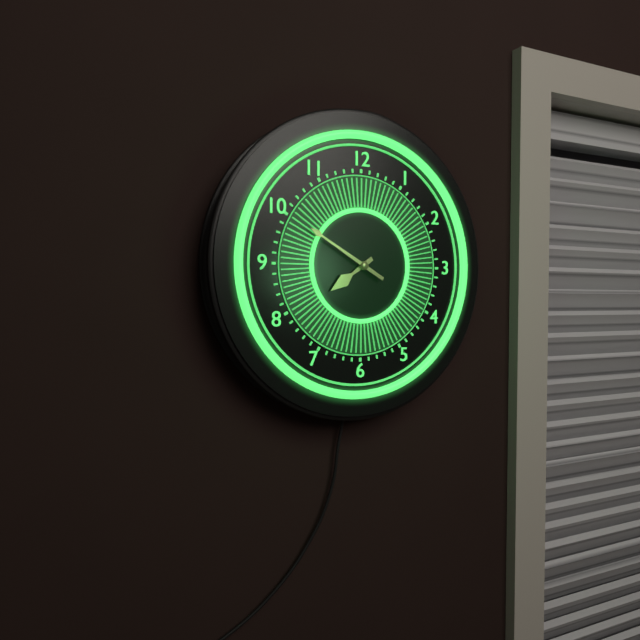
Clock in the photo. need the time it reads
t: 7:50
